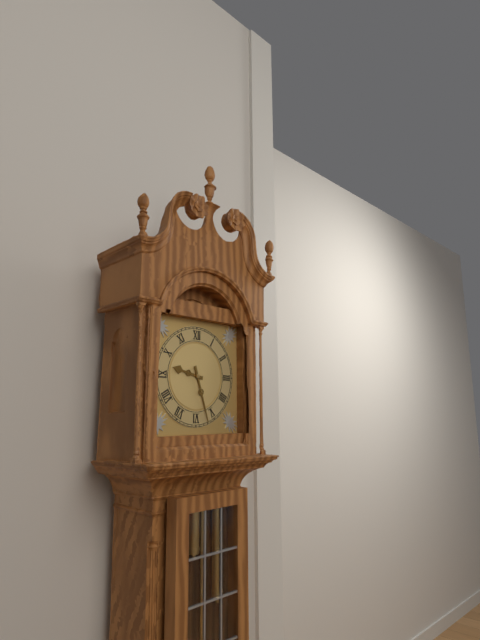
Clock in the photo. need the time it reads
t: 9:27
